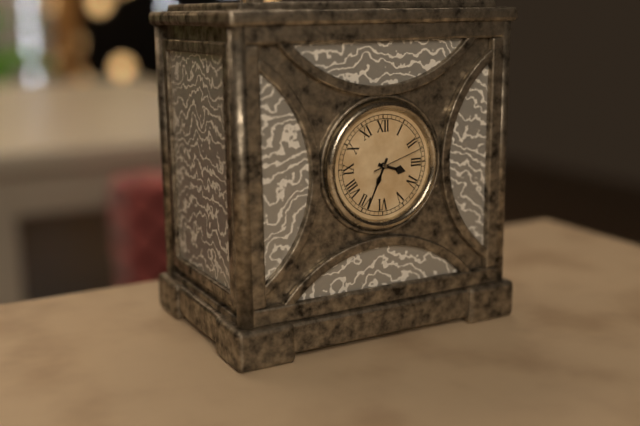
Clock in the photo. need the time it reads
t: 3:34:12
